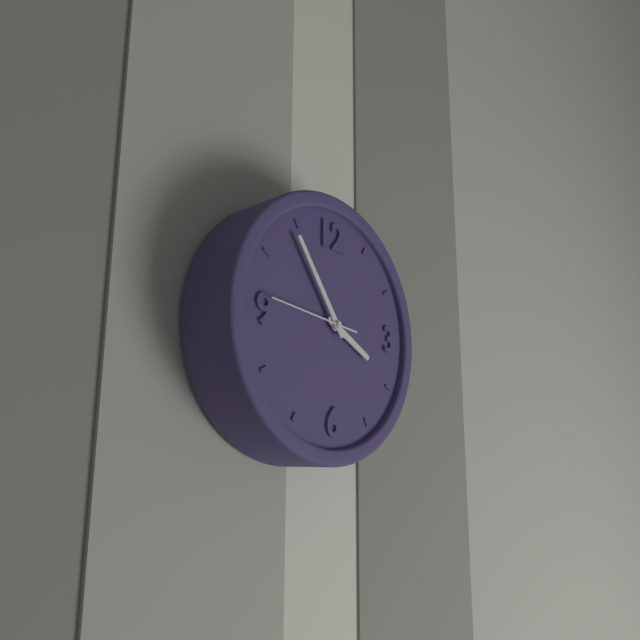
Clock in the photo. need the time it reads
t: 3:54:46
